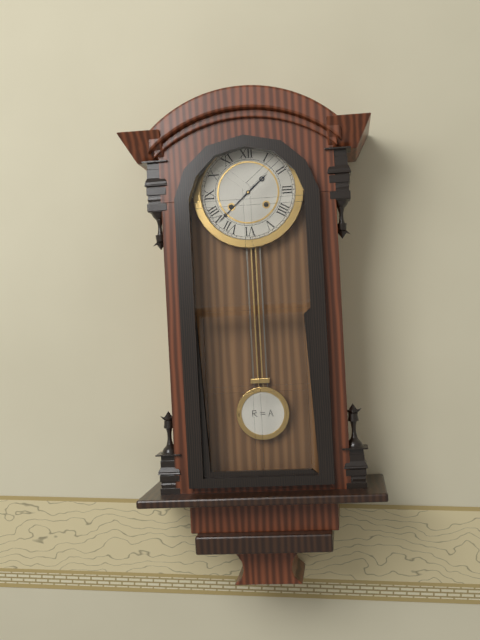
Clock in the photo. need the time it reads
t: 1:38
